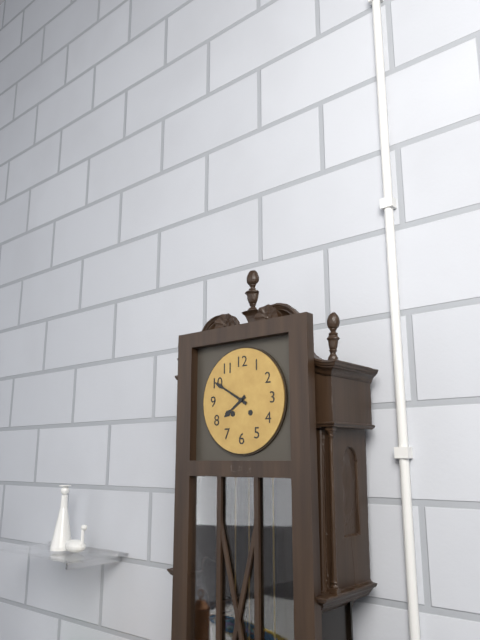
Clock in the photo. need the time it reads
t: 7:50
